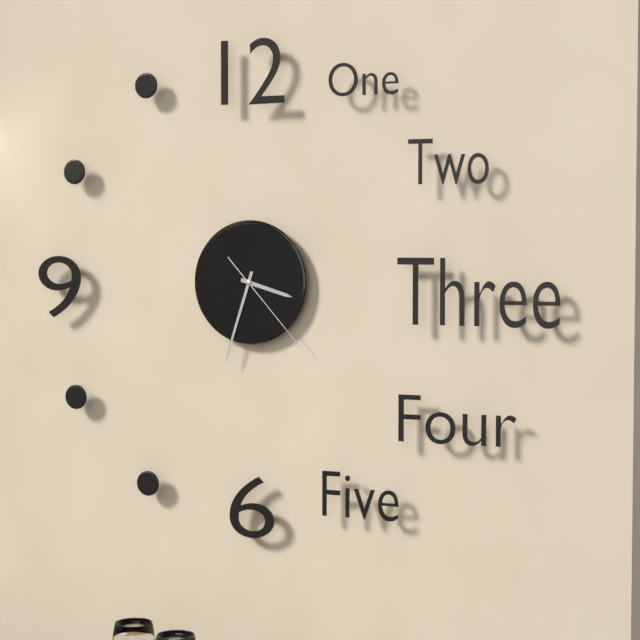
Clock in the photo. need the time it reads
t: 3:33:23
